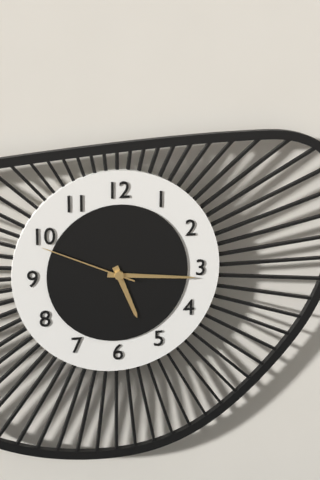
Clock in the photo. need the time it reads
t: 5:16:49
